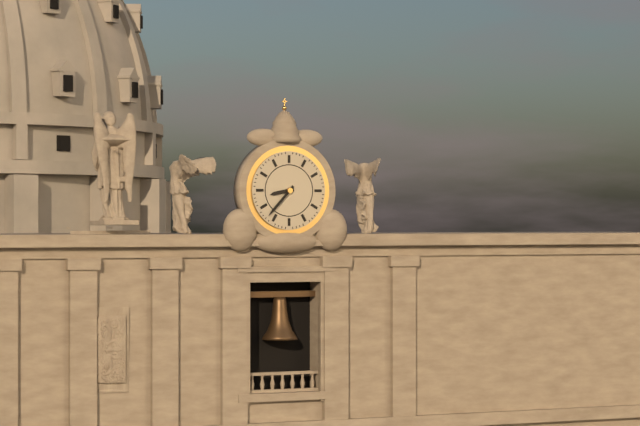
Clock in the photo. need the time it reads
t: 8:37
